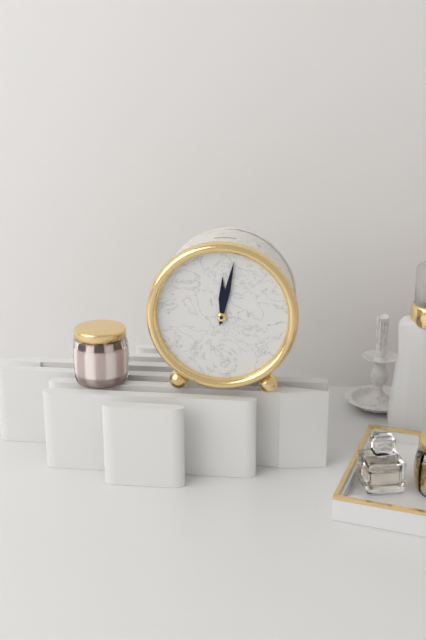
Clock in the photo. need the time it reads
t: 12:02
